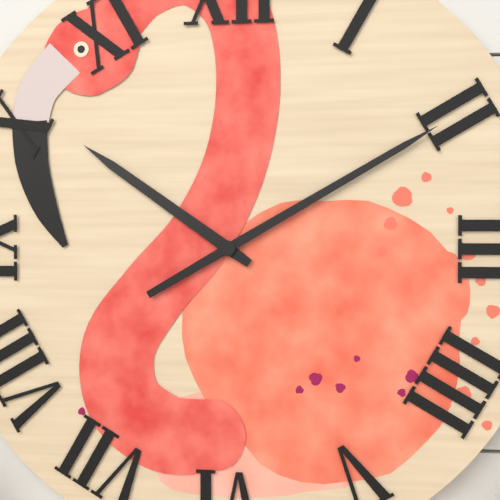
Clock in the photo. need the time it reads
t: 10:10
